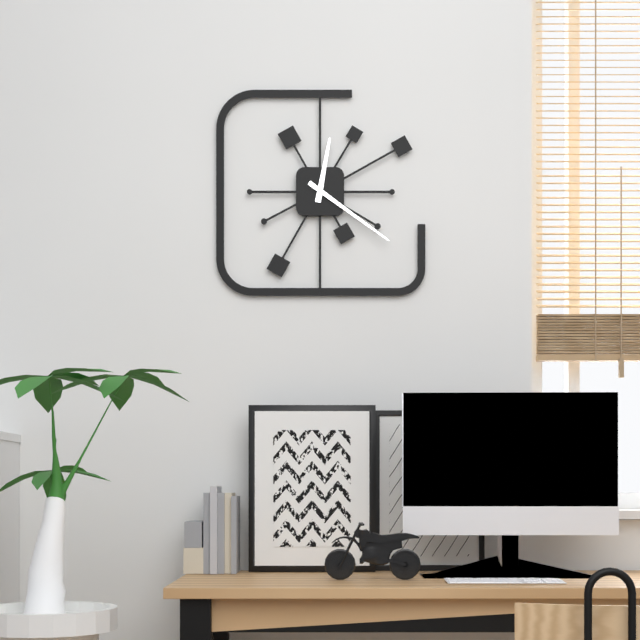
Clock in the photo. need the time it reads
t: 12:21
